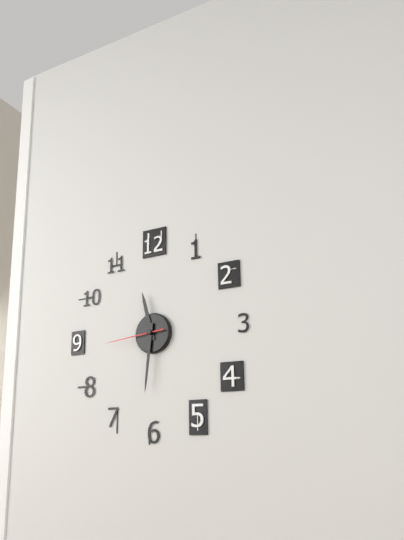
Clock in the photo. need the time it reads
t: 11:31:44
